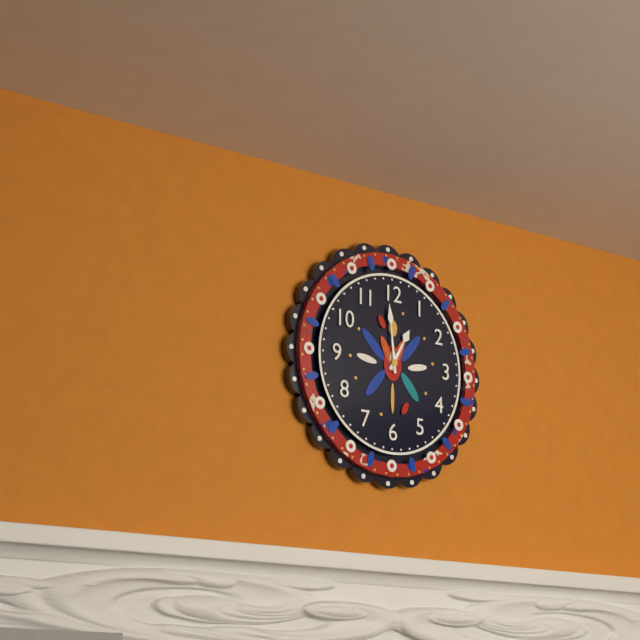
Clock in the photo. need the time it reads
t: 12:59
